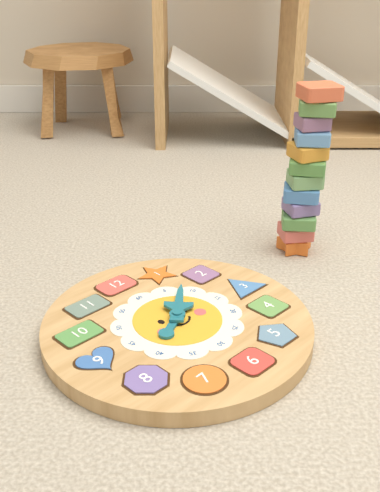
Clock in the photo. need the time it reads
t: 8:08
